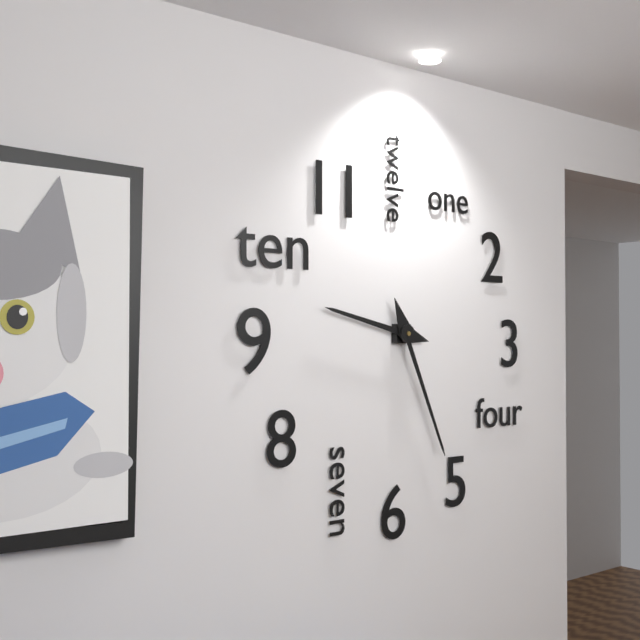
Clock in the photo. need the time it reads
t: 9:26
